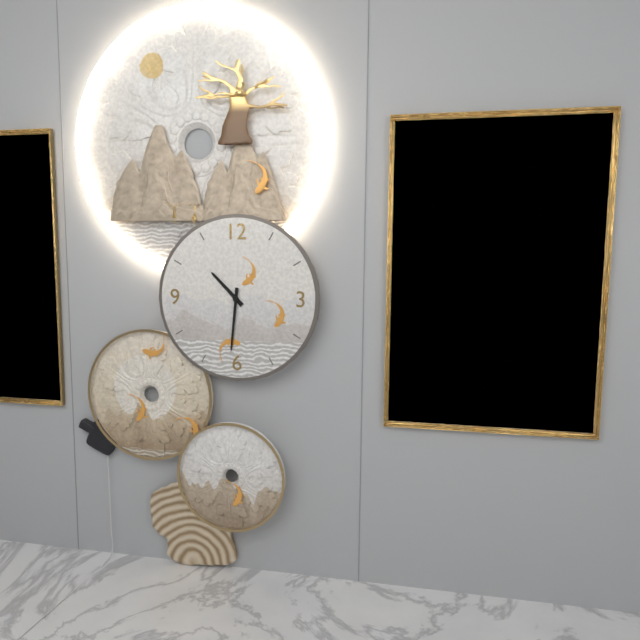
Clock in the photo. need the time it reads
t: 10:31
